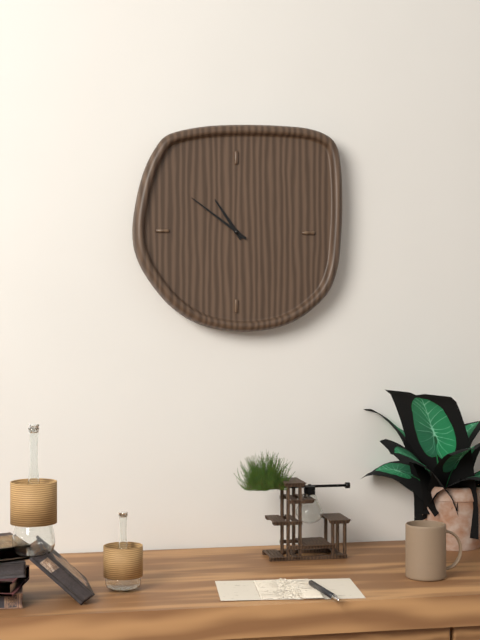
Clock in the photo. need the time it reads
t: 10:51
